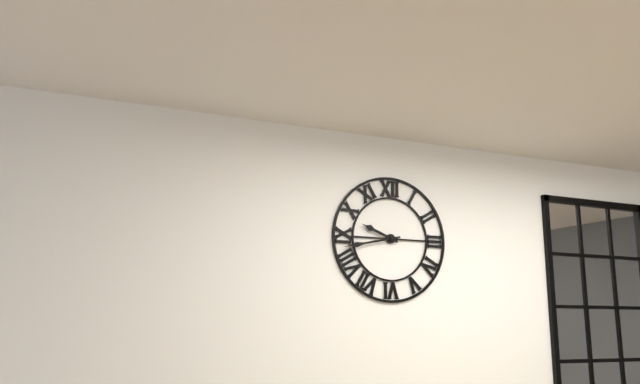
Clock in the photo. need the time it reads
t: 9:43
